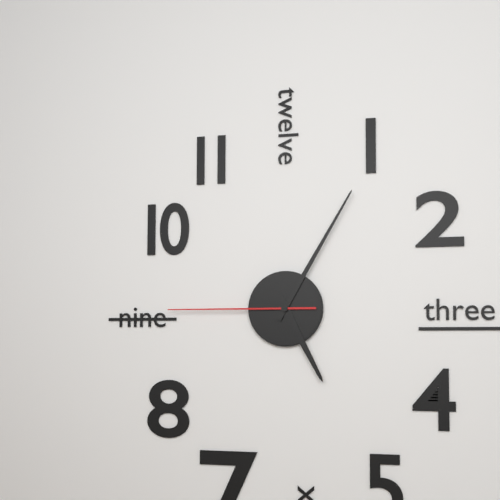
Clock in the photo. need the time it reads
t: 5:05:45
